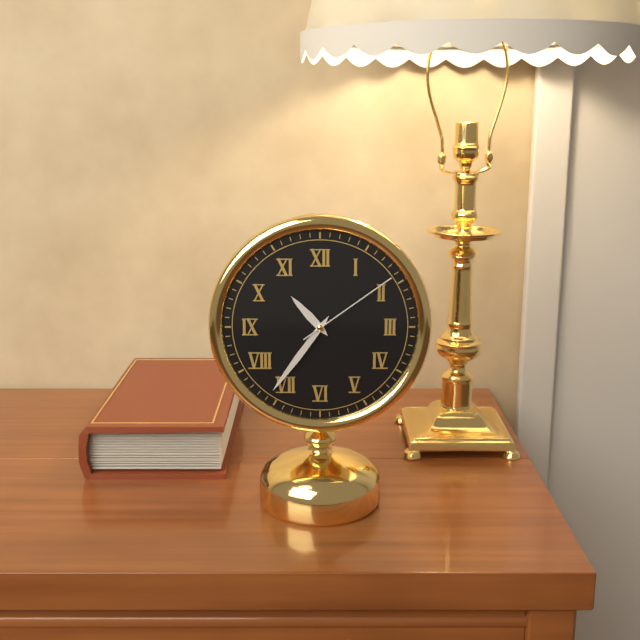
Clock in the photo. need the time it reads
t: 10:36:09
